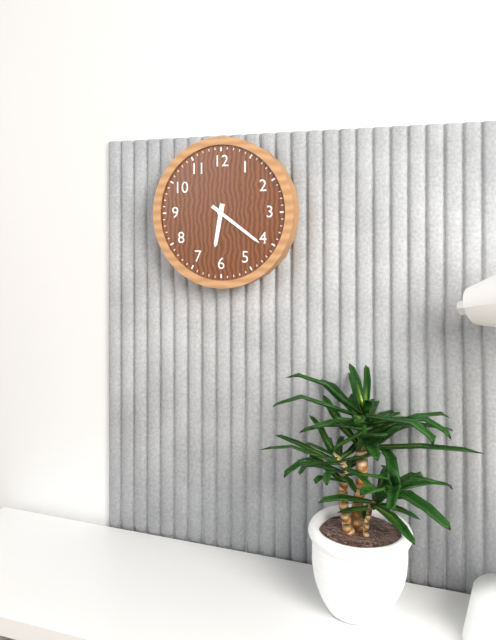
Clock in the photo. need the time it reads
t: 6:21
